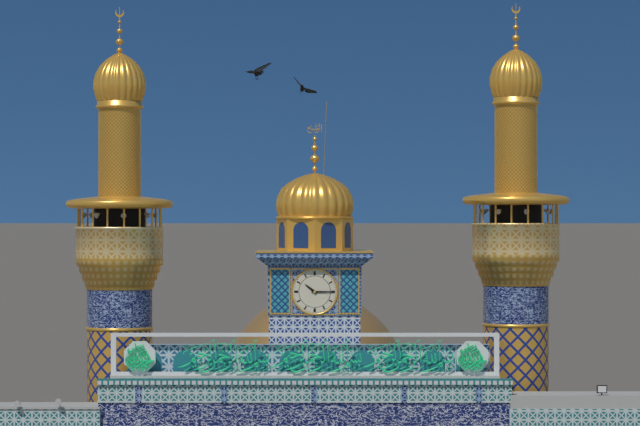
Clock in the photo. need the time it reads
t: 10:15
